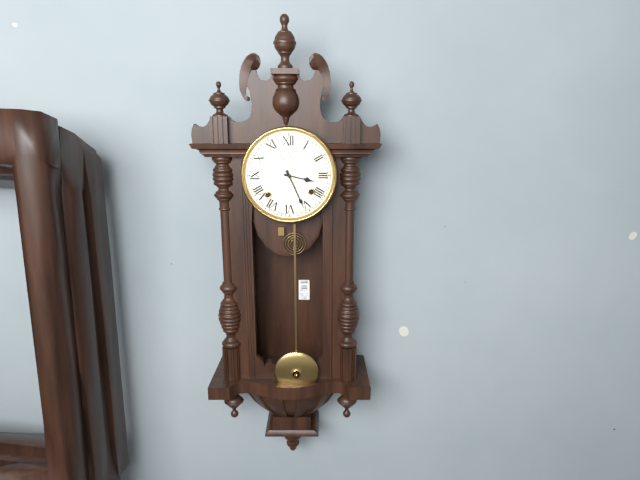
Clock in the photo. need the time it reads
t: 3:26
